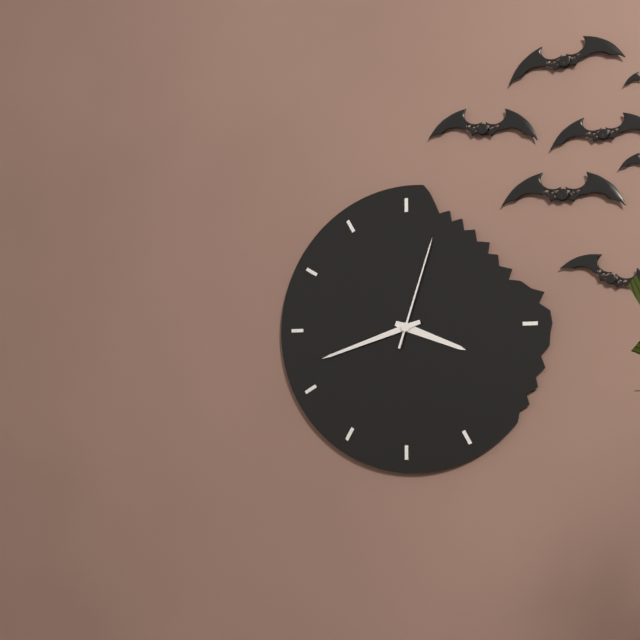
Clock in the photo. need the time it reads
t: 3:42:03
